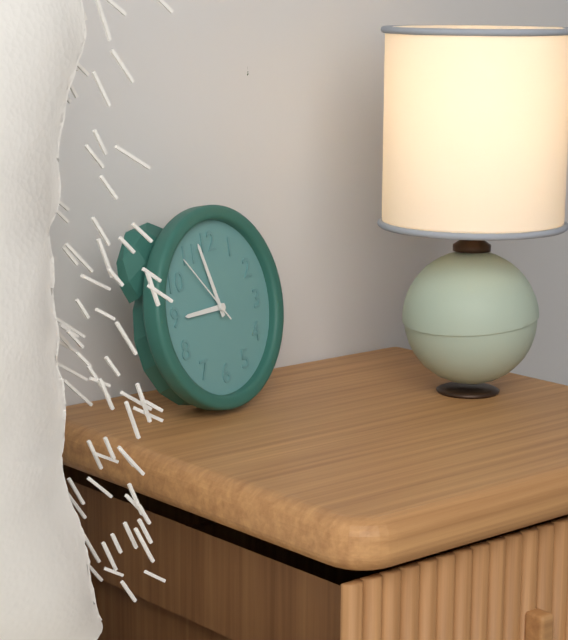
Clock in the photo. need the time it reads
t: 8:57:53
